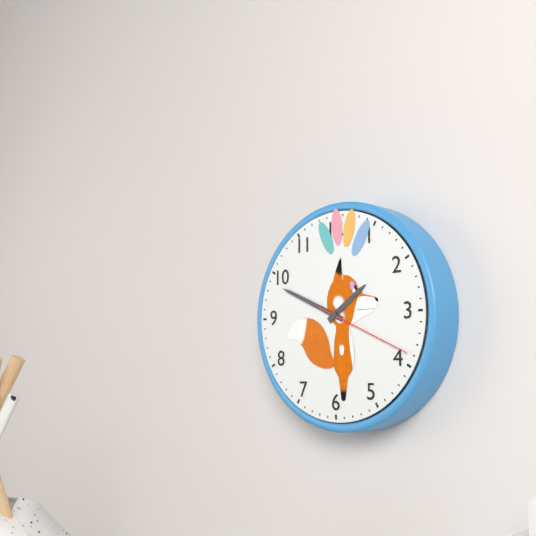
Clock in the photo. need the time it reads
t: 1:49:19
